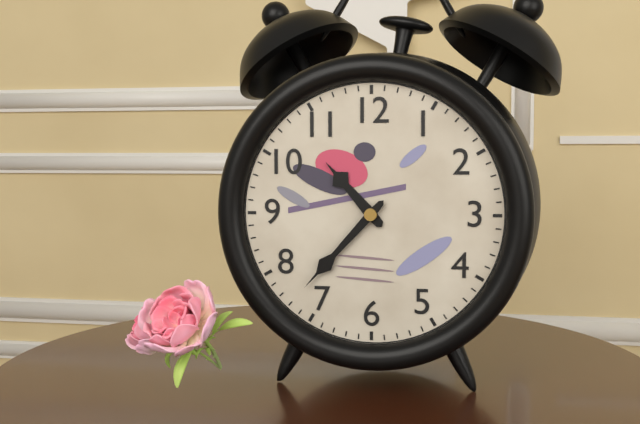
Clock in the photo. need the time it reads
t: 10:37
